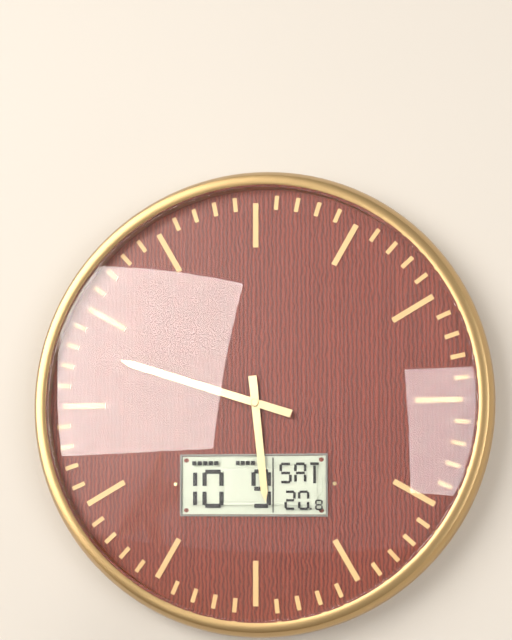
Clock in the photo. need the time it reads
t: 5:48
